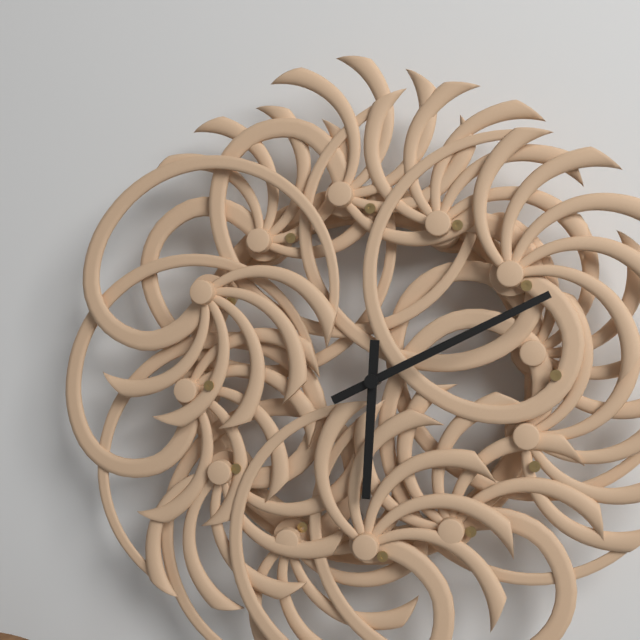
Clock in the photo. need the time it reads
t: 6:11
